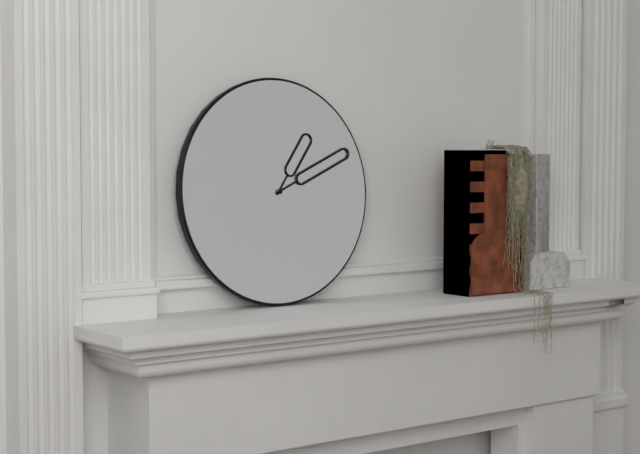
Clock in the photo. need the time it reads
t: 1:11
